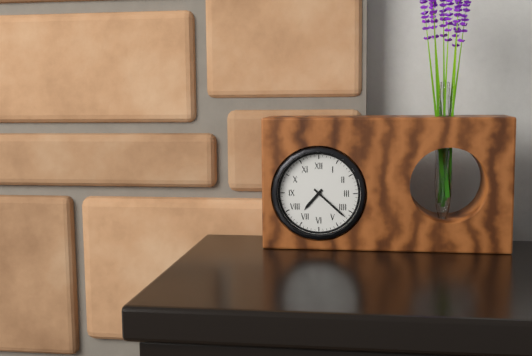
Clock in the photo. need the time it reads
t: 7:22
